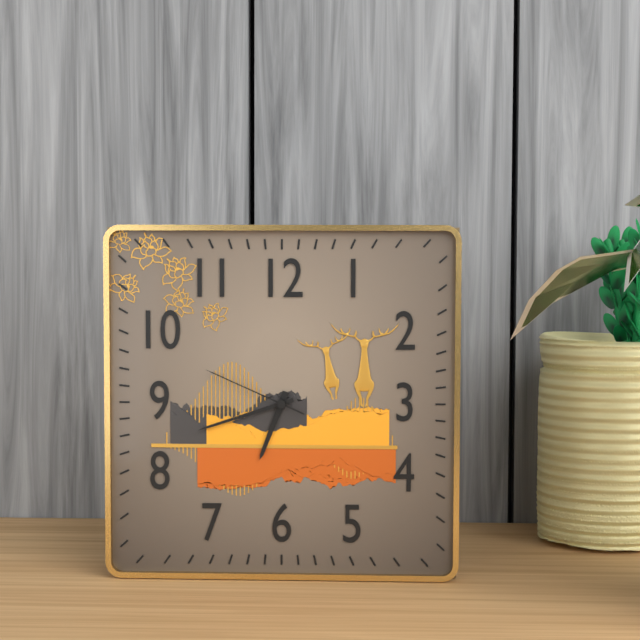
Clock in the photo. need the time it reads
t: 6:42:49
